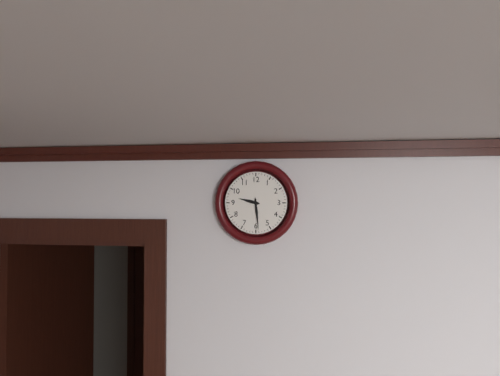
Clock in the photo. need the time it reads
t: 9:29
